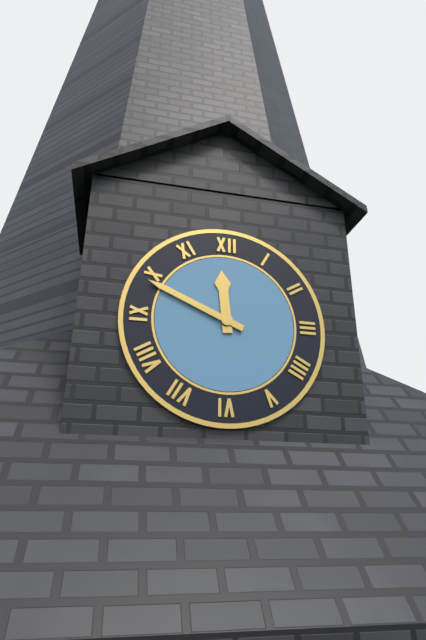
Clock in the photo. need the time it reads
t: 11:49
